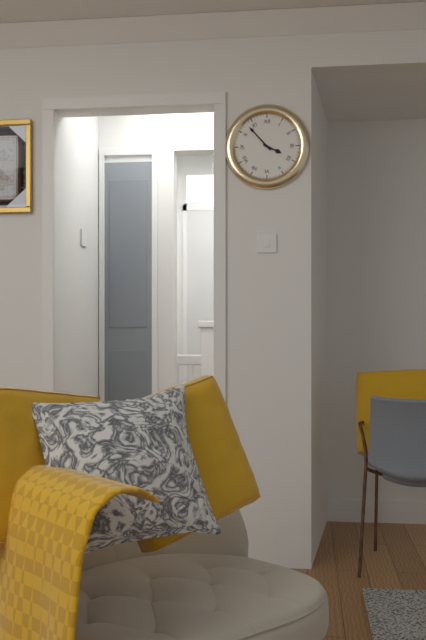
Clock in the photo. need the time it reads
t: 3:53
